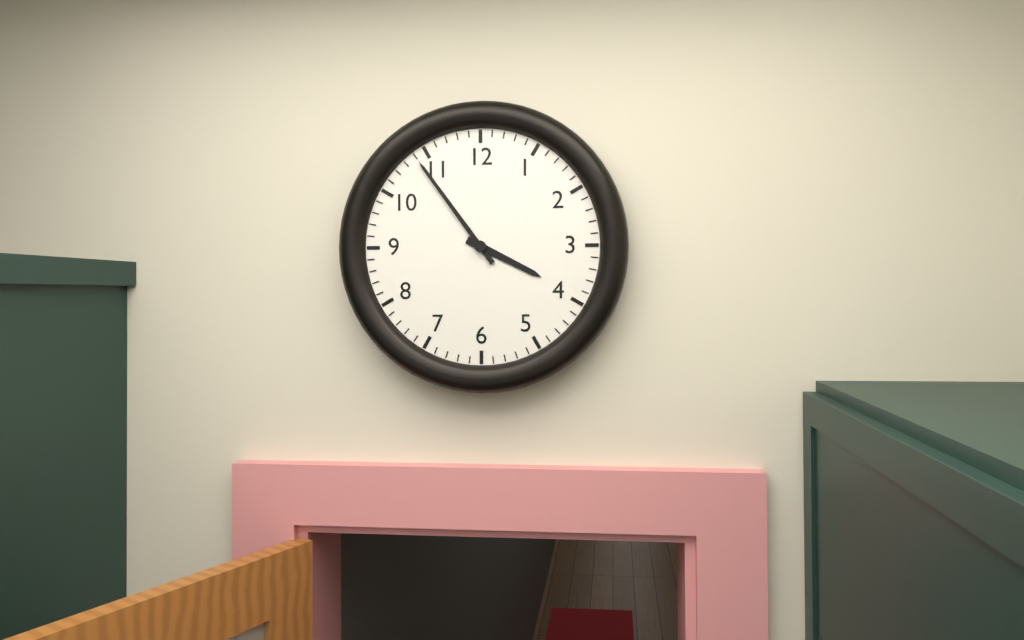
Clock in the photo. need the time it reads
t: 3:54
